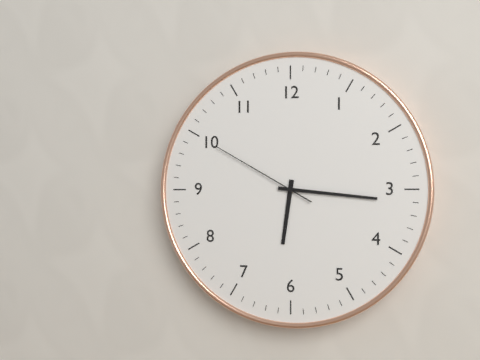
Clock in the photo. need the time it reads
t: 6:16:50
